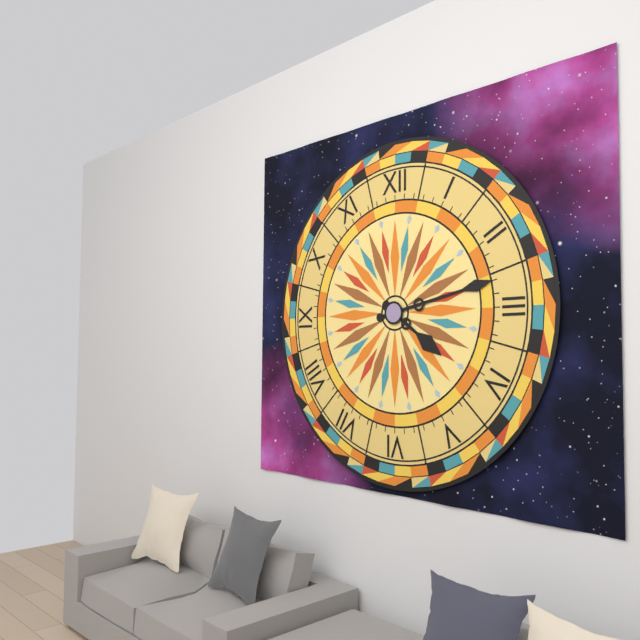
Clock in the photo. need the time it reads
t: 4:13
